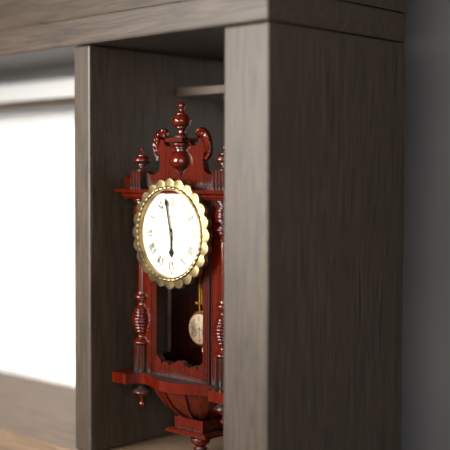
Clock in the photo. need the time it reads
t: 5:58
